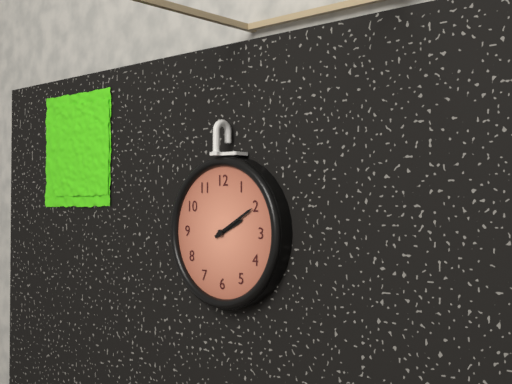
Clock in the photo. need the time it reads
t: 2:10
